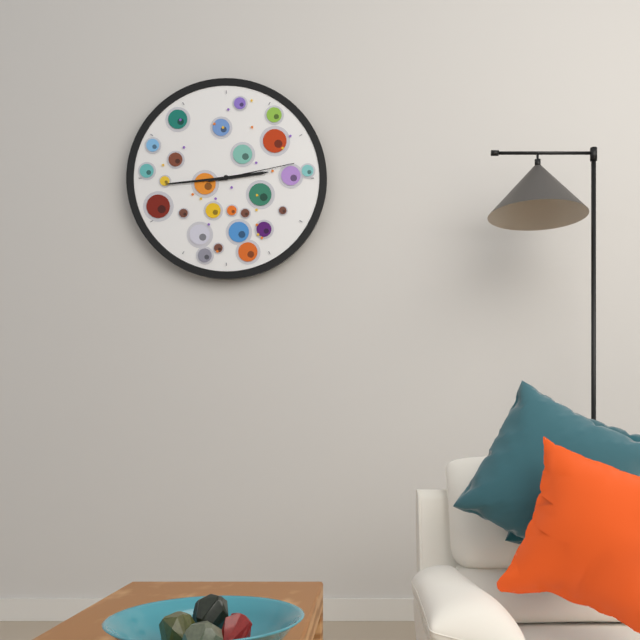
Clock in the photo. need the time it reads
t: 2:44:13
